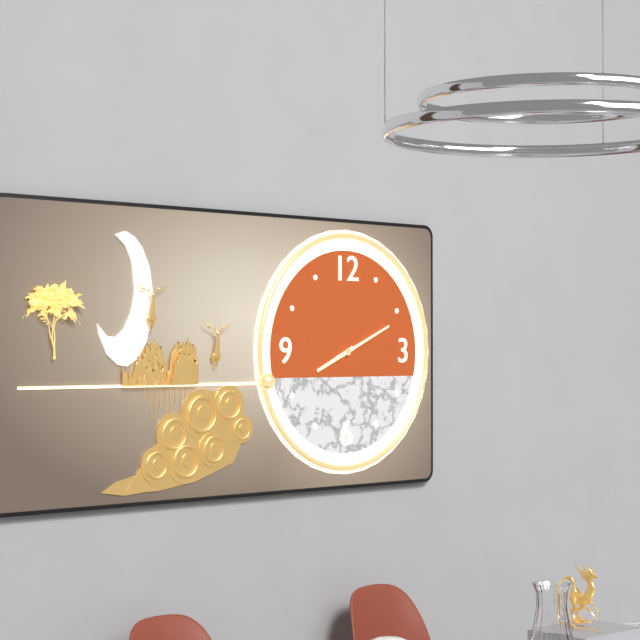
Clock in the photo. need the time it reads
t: 8:11
